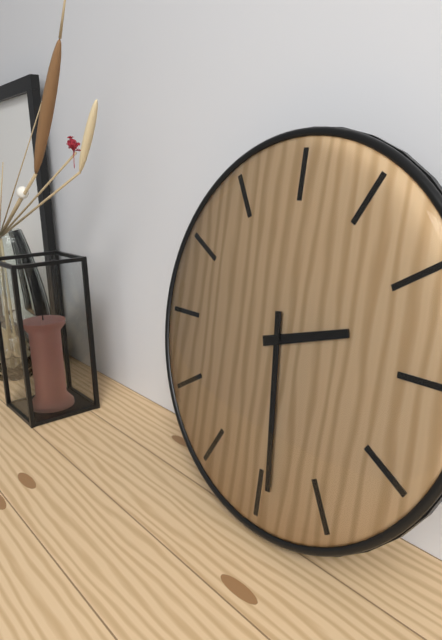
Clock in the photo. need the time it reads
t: 2:29
